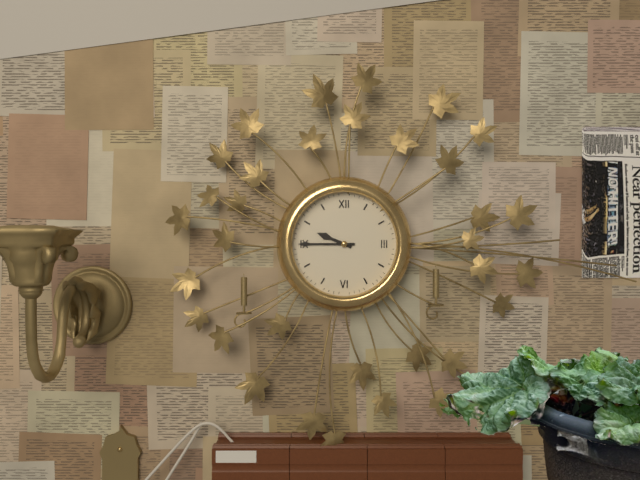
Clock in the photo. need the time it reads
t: 9:45
